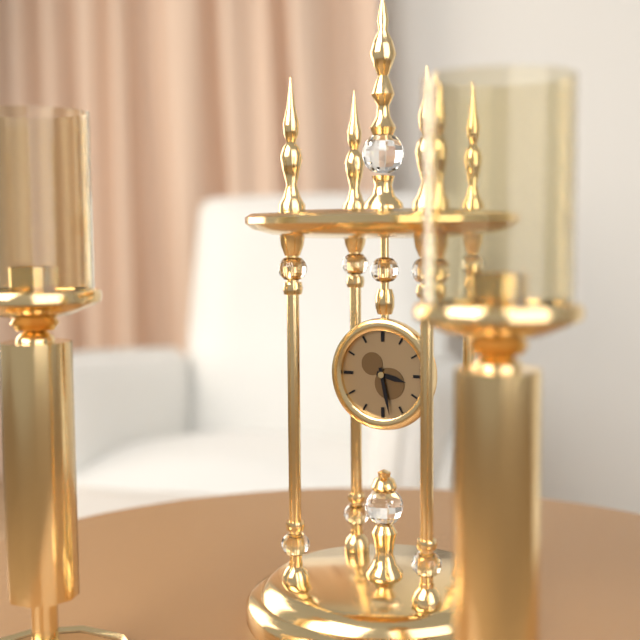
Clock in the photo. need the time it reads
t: 3:28
